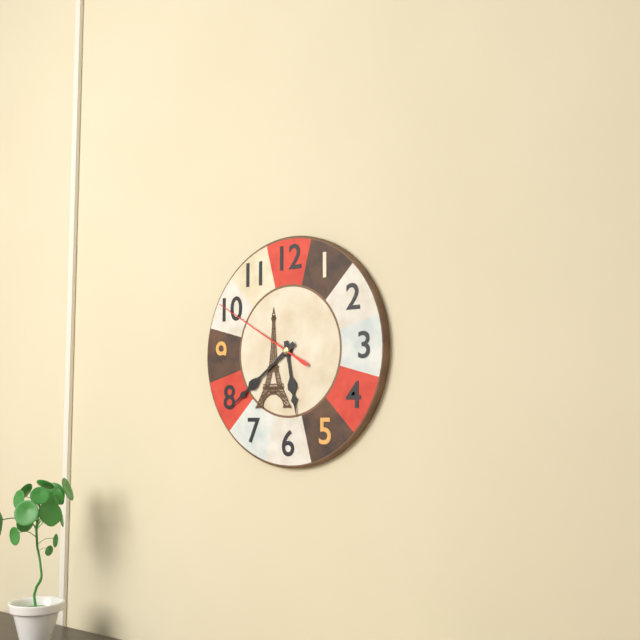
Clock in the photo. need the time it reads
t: 5:39:50
